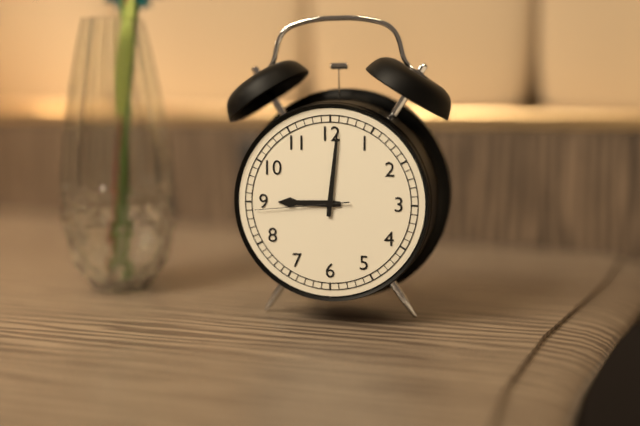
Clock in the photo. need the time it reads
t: 9:01:44
